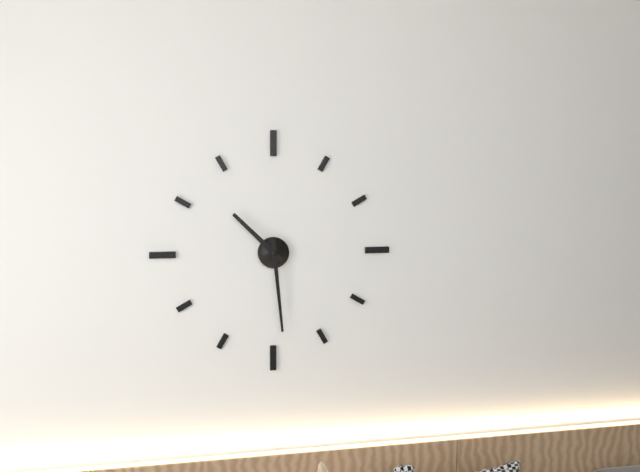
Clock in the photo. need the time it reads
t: 10:29
